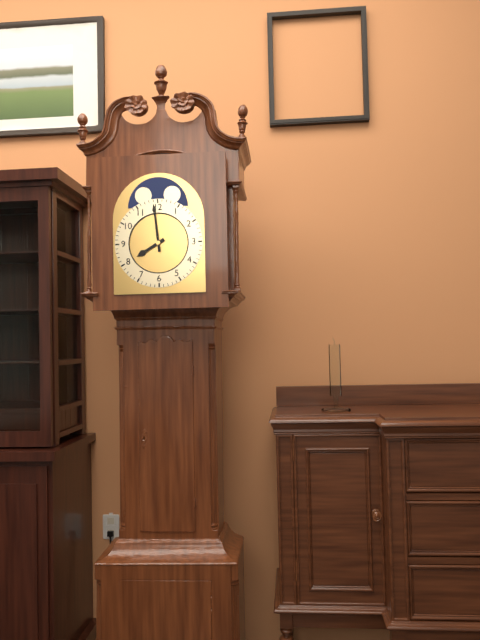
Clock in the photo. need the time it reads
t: 7:59
